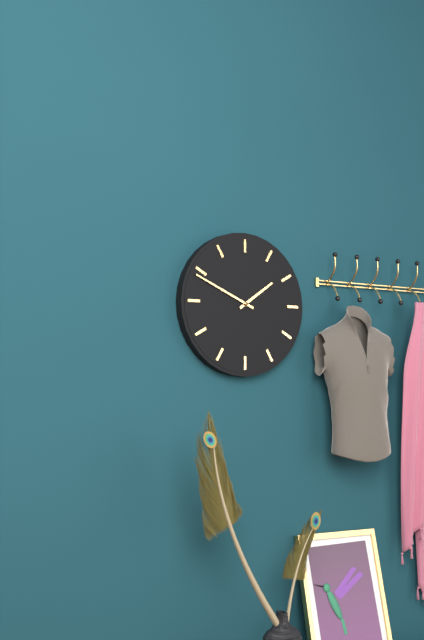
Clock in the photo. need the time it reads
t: 1:49
